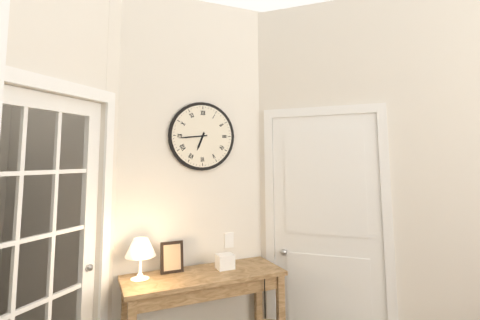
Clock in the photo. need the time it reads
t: 6:44
